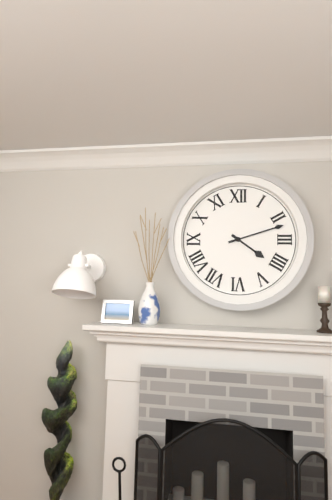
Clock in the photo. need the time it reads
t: 4:12
